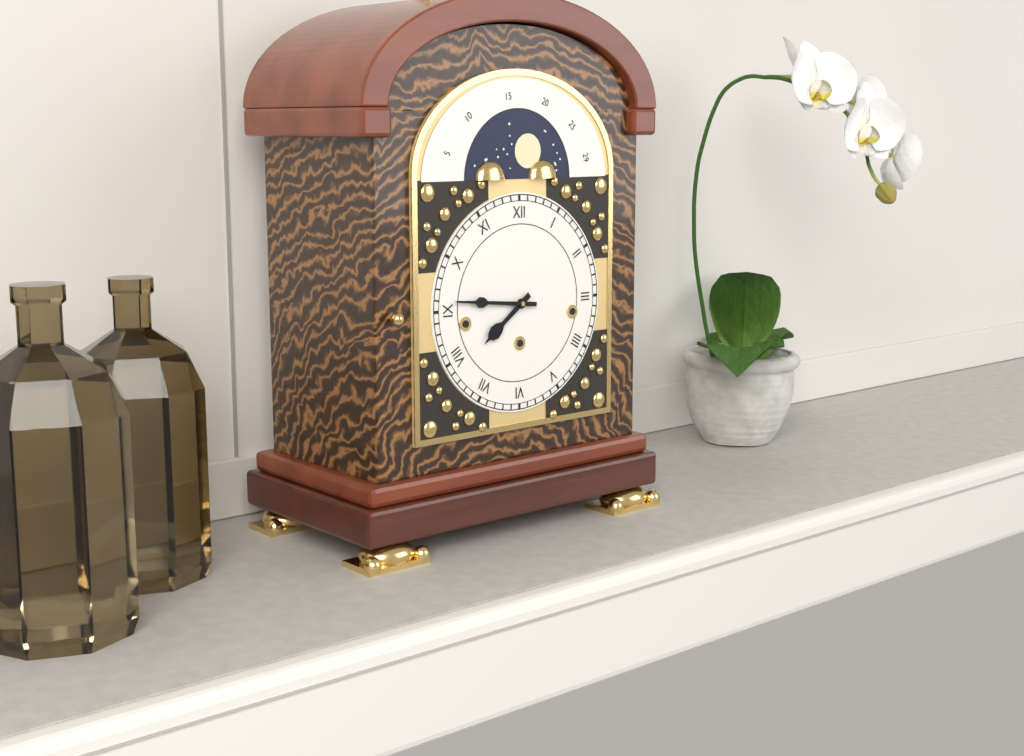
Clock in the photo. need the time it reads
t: 7:46
